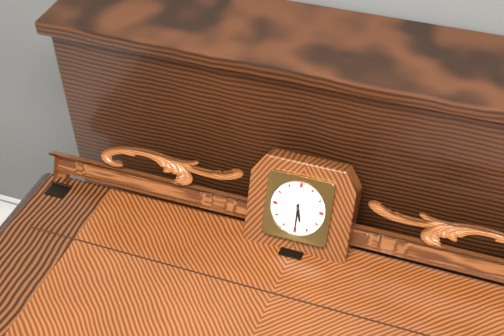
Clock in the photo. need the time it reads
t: 5:30
